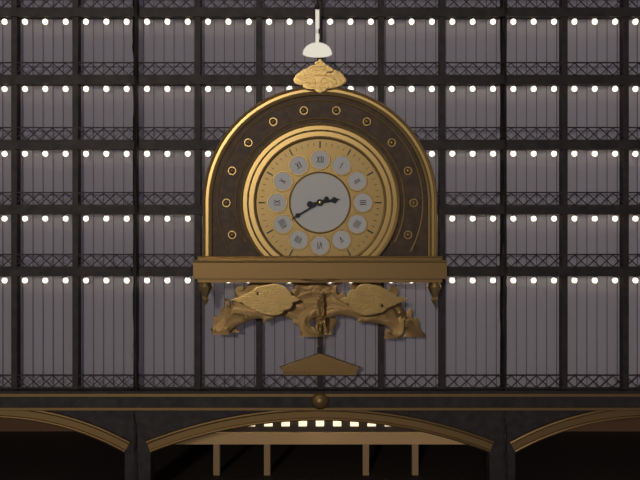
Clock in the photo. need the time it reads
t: 2:40
